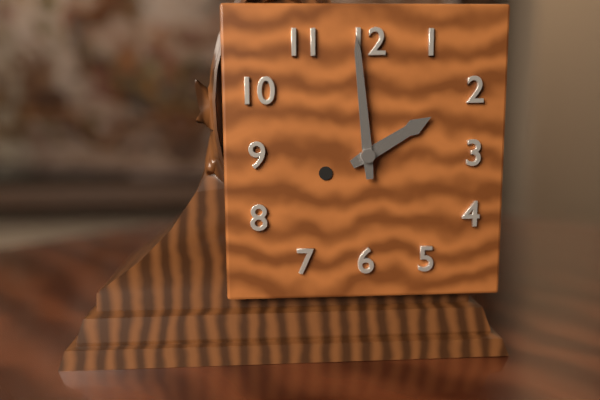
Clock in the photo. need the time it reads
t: 1:59
